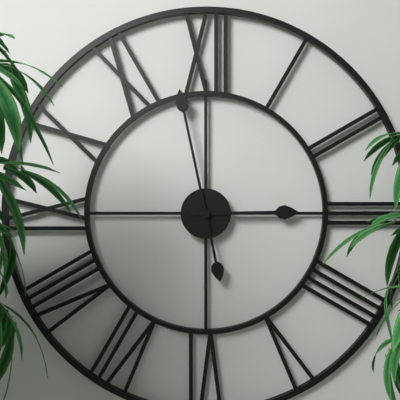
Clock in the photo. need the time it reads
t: 2:58
